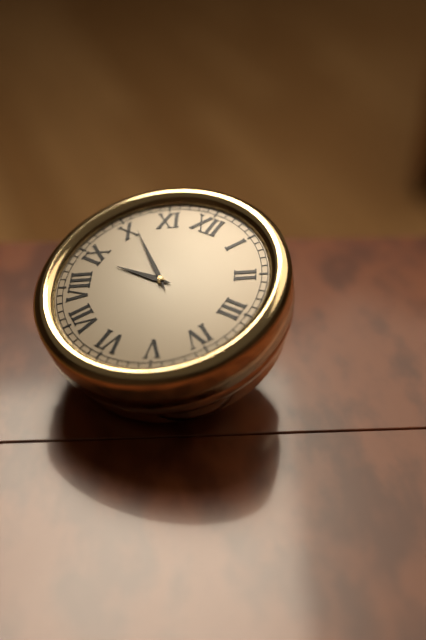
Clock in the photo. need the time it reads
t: 8:51
